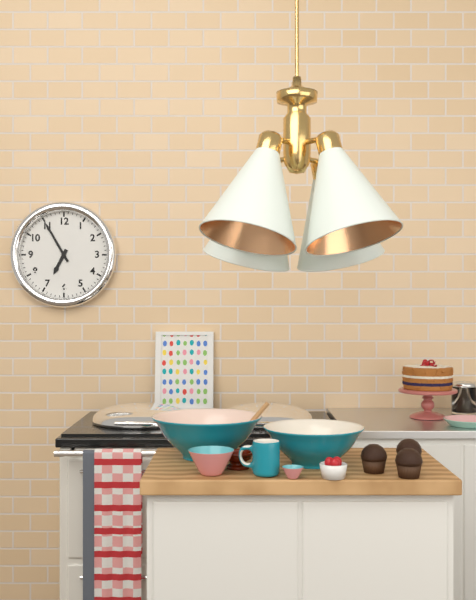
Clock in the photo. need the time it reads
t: 6:55
